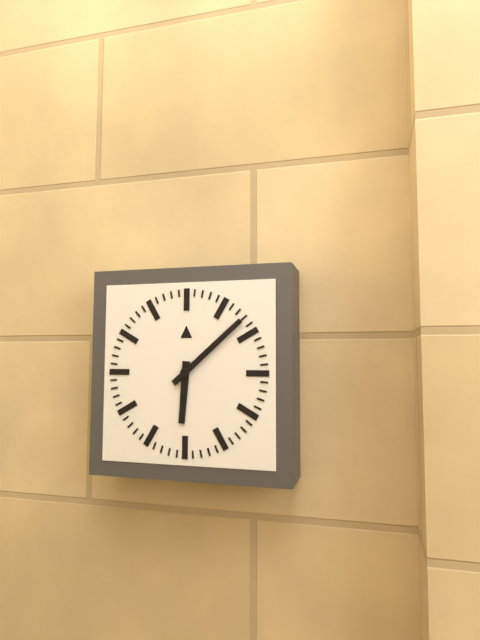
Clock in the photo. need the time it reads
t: 6:08
